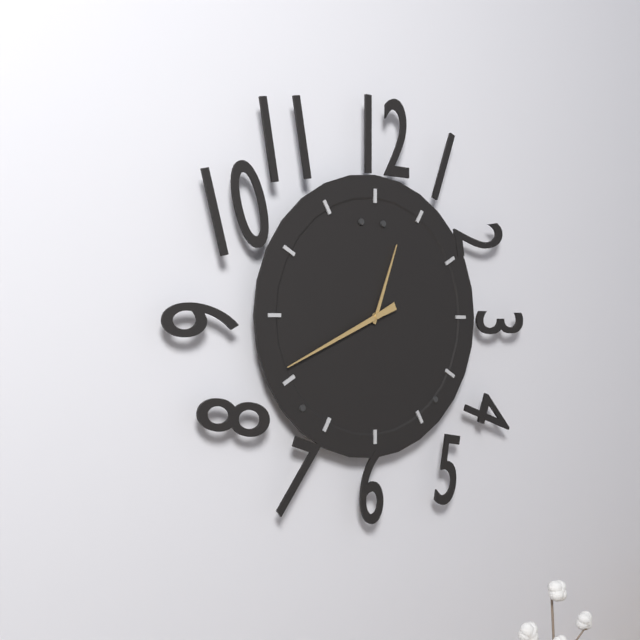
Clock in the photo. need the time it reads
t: 12:41
